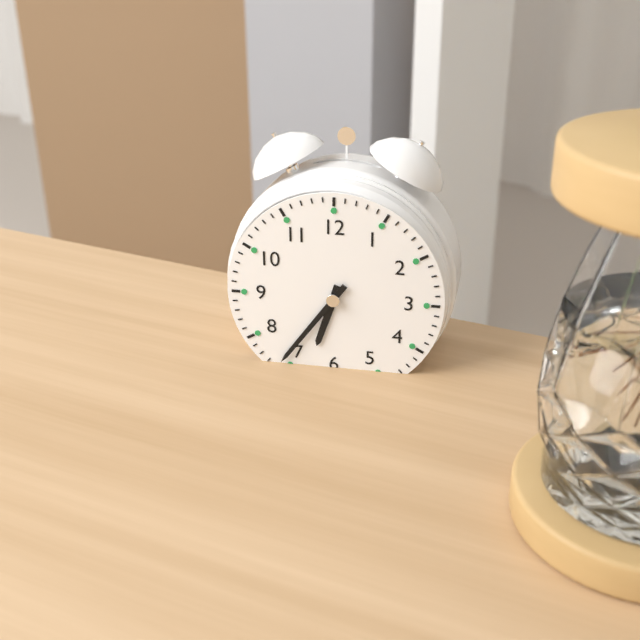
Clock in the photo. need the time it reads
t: 6:36
